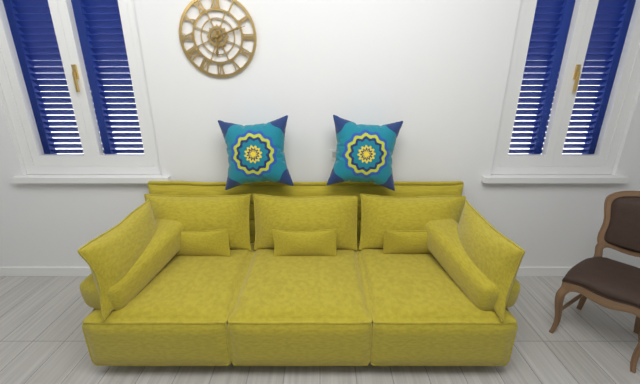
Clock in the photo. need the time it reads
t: 6:12
